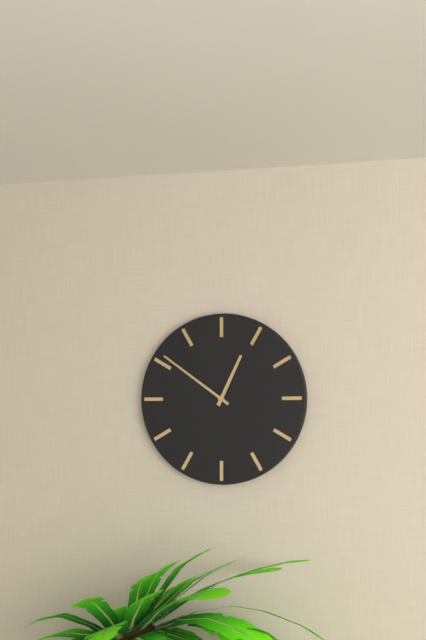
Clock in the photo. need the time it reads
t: 12:51
